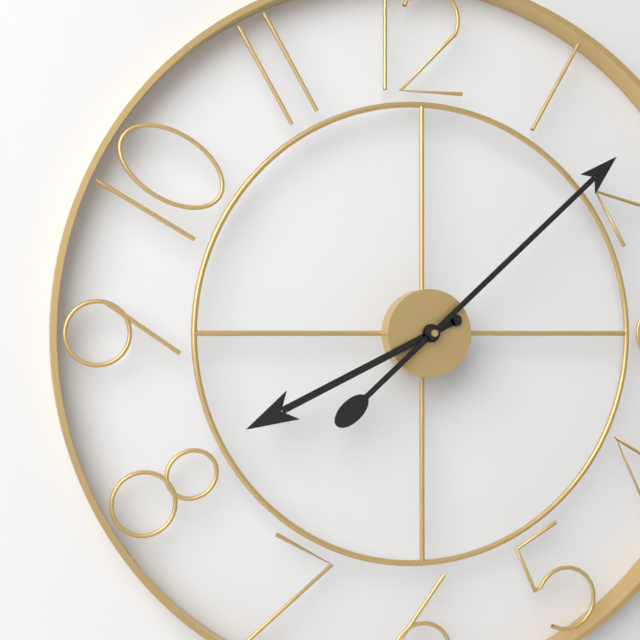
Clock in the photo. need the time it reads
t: 8:08
